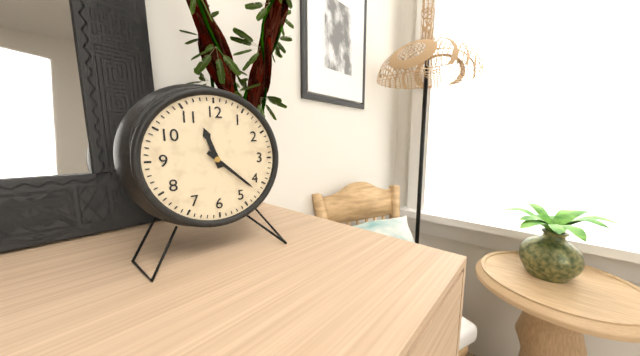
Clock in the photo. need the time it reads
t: 11:22
